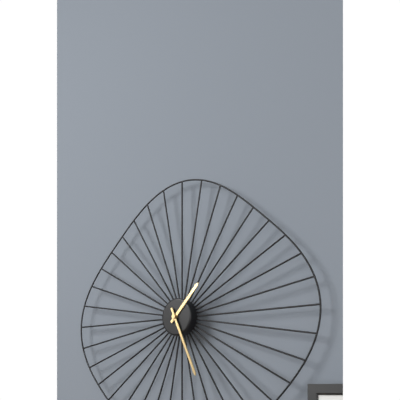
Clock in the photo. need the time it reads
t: 1:26
